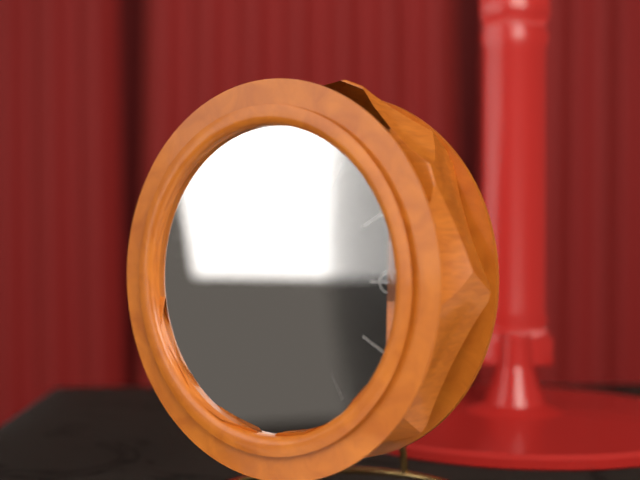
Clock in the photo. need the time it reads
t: 9:50:32
